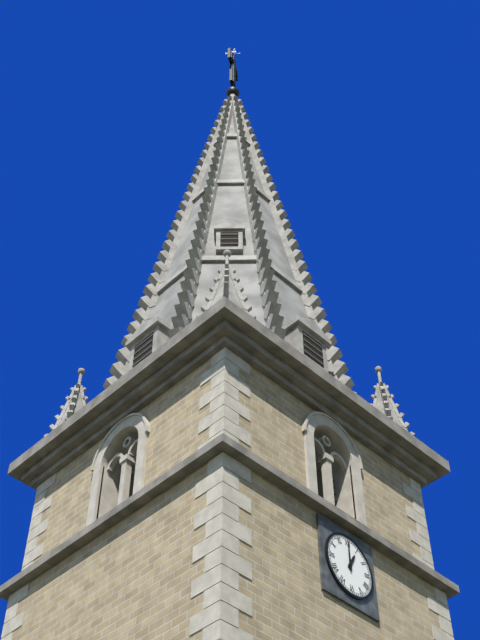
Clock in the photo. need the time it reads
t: 1:00
